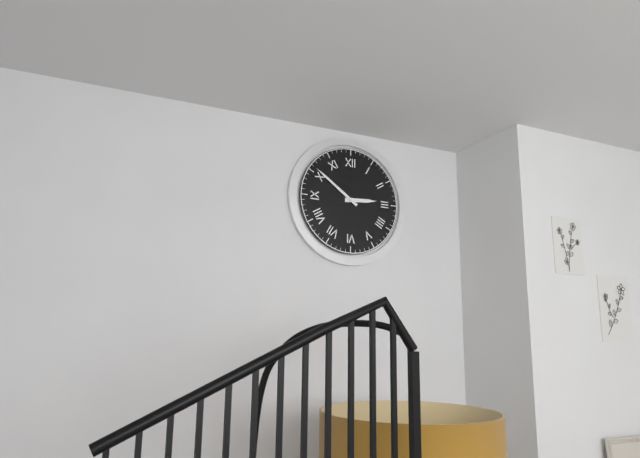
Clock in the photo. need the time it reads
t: 2:51
